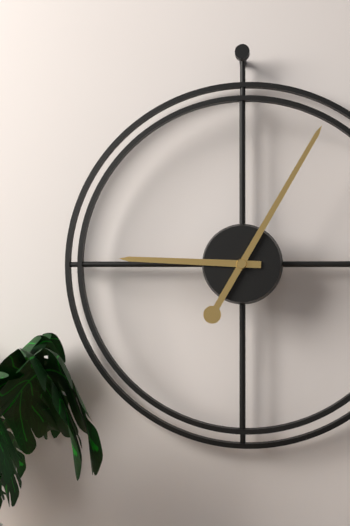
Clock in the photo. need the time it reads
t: 9:05
